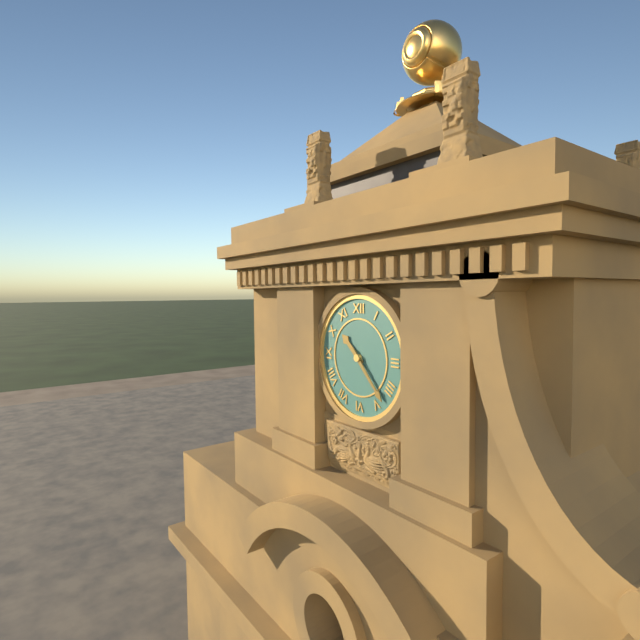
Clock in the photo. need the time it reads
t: 10:23
